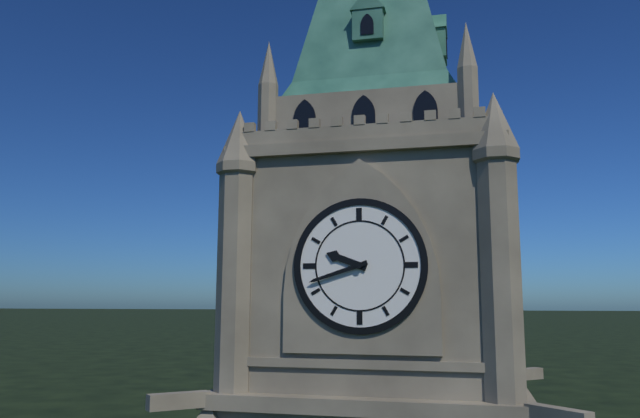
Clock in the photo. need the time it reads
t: 9:42
